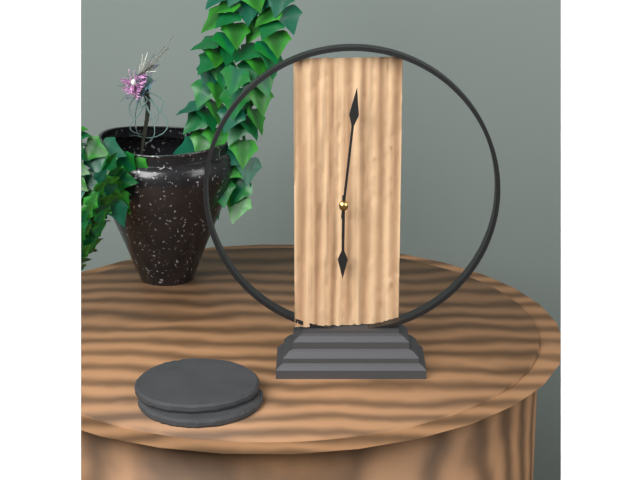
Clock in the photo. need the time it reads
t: 6:01
